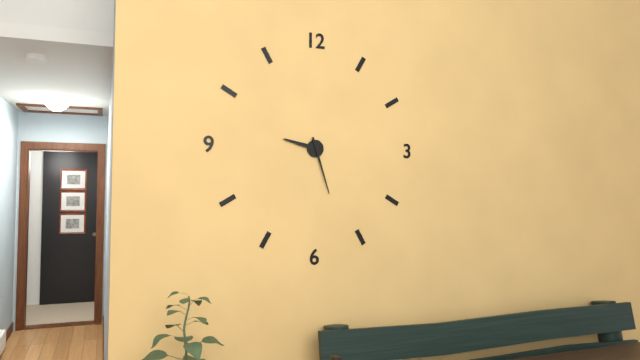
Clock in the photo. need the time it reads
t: 9:27
